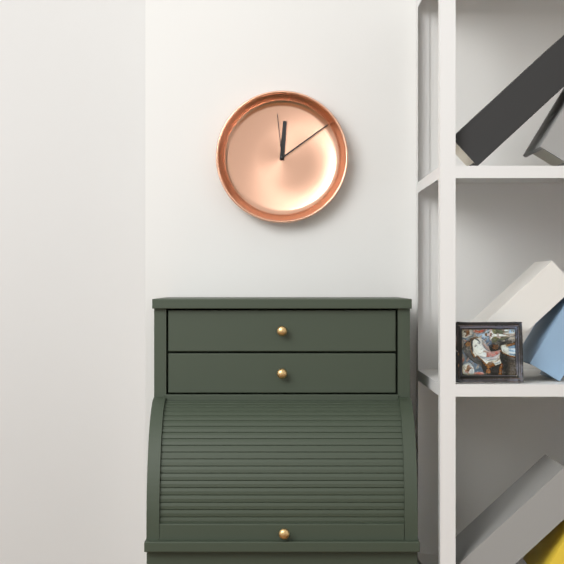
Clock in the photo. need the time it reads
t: 12:09:59
